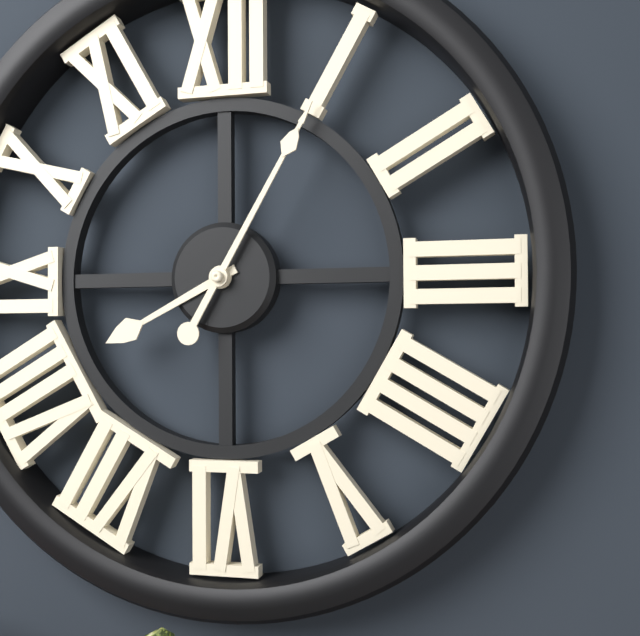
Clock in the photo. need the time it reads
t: 8:05
